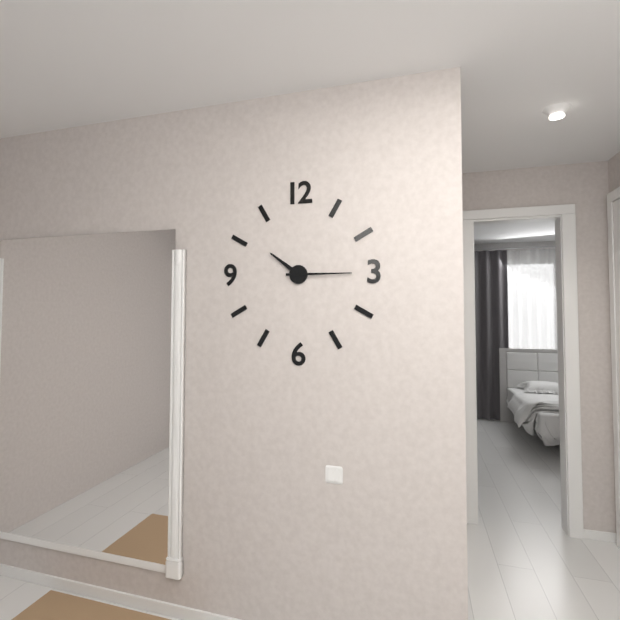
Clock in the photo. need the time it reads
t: 10:15
